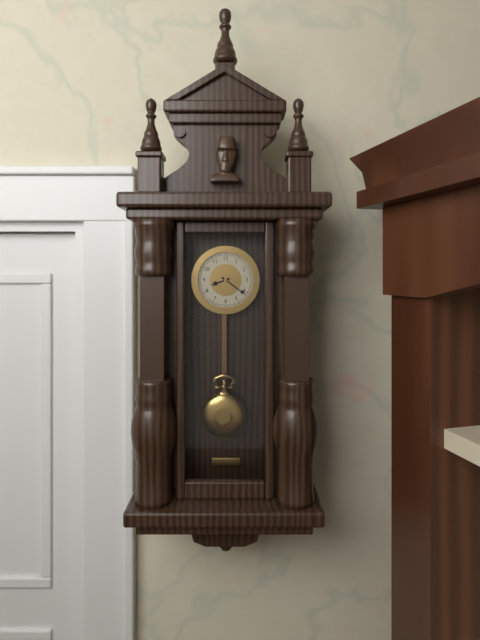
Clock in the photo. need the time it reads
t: 8:21
